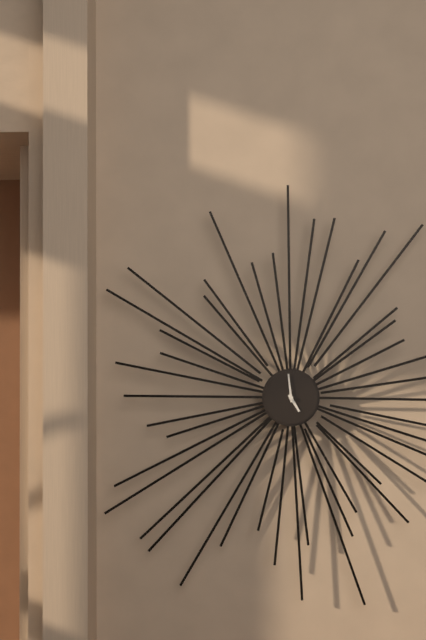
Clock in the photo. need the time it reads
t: 4:59
